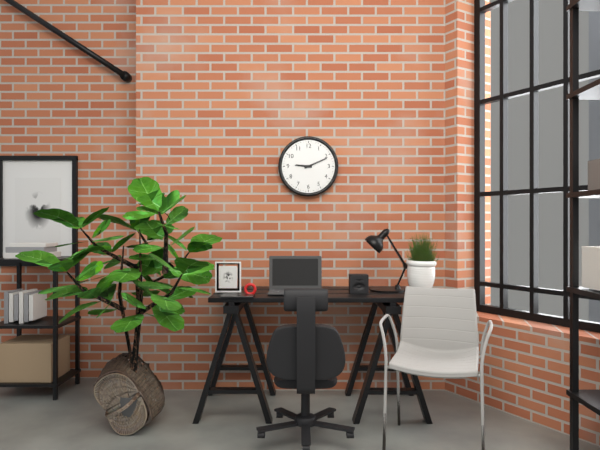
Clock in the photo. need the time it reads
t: 9:11
